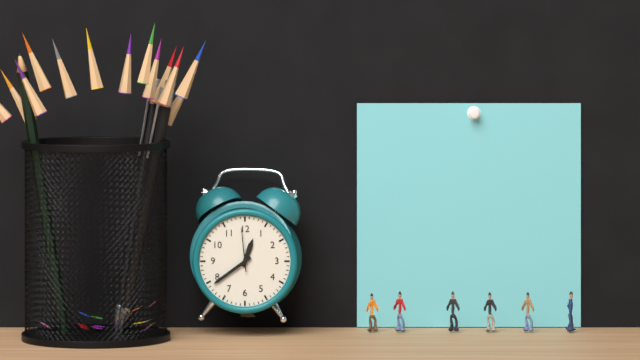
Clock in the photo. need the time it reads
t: 12:39
